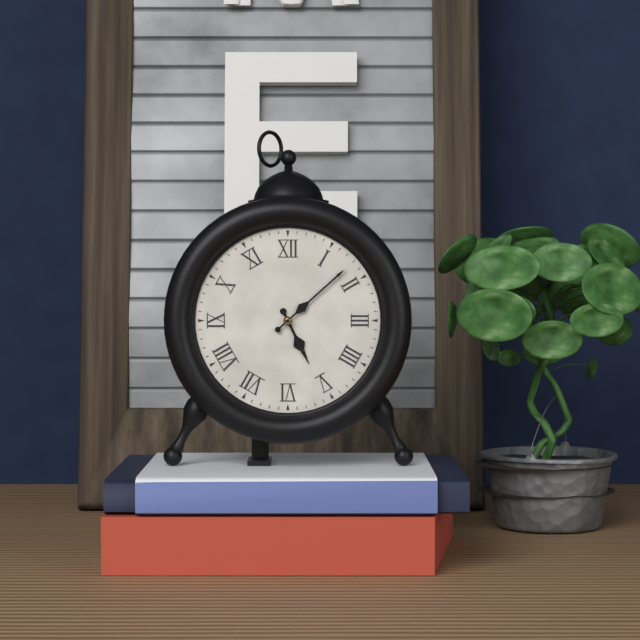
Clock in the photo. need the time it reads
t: 5:08
